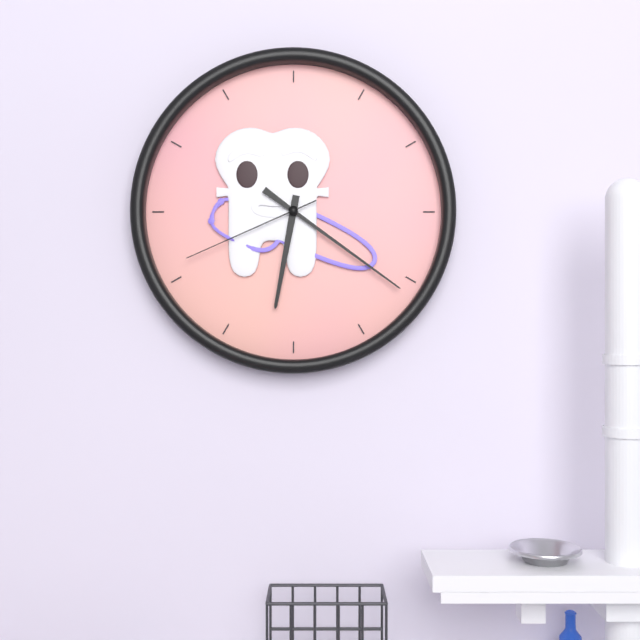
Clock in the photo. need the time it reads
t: 6:21:41
